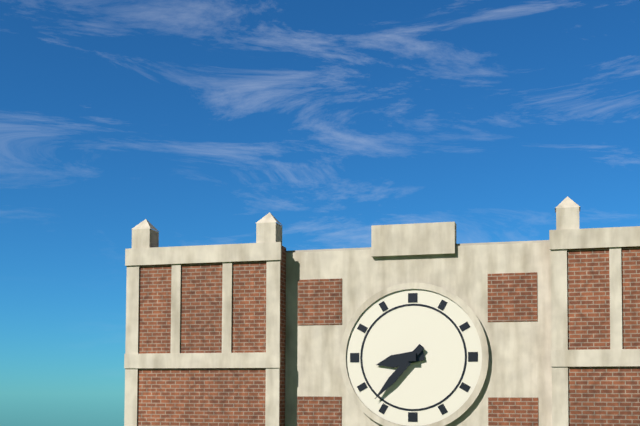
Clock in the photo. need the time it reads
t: 8:37
